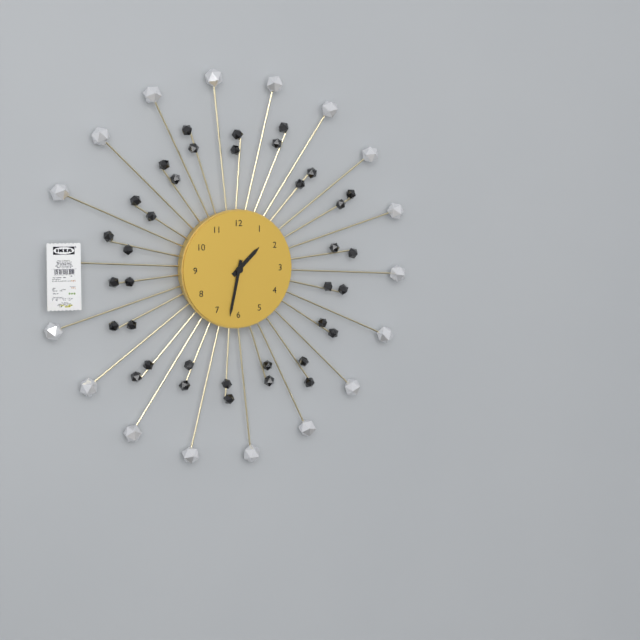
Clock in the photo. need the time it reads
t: 1:32
